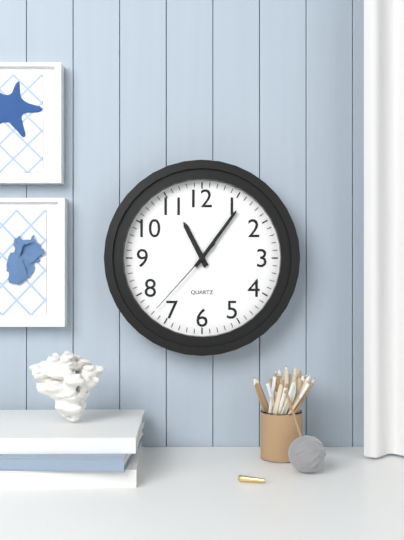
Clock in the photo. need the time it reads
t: 11:06:37
